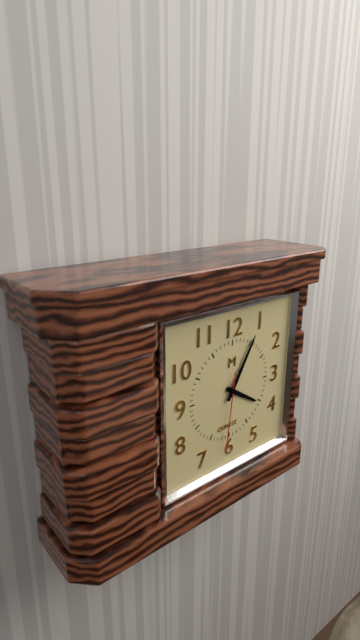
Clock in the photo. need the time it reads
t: 4:05:31
